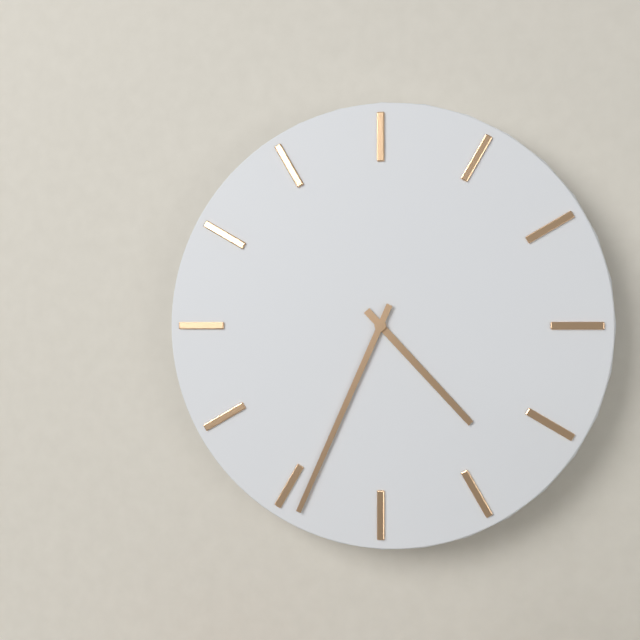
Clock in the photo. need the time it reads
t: 4:34
